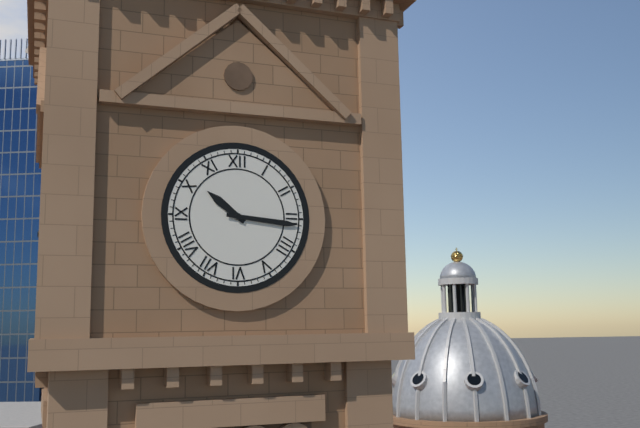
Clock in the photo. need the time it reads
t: 10:16
